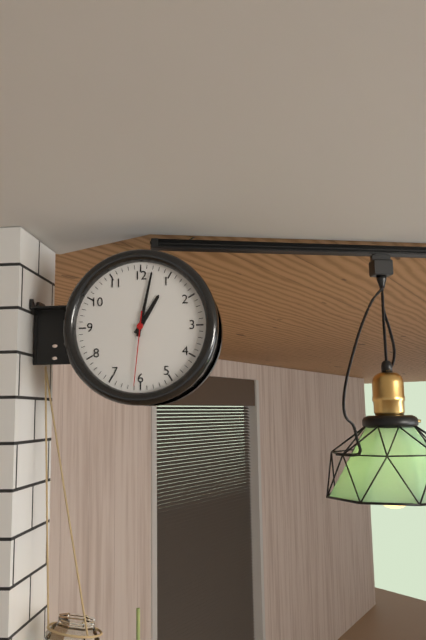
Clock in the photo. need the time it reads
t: 1:02:31
